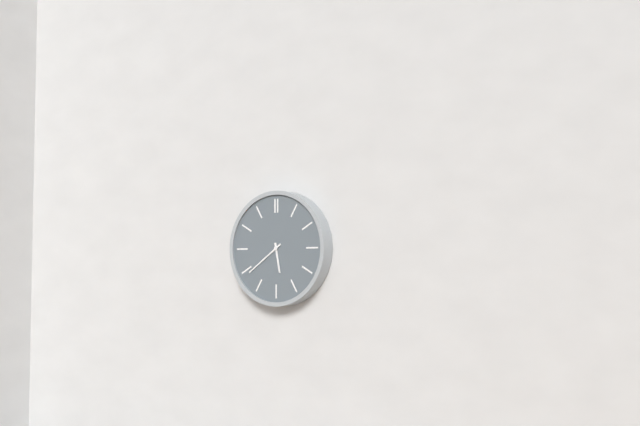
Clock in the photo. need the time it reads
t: 5:39
